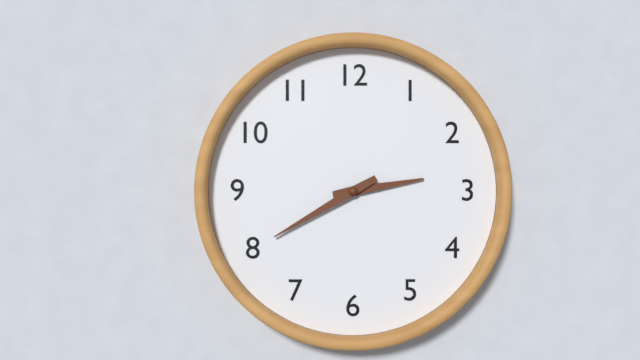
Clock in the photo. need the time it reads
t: 2:40
